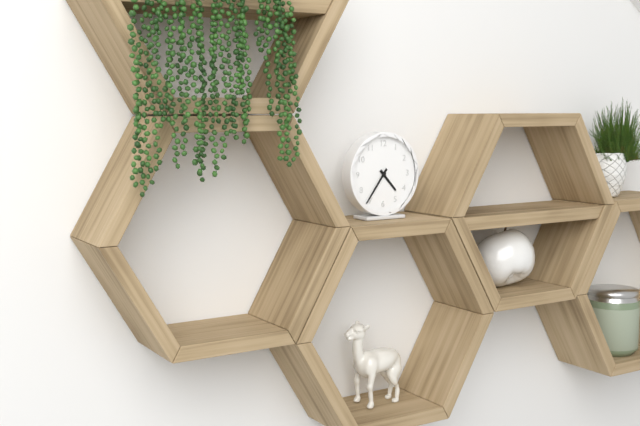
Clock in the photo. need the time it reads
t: 4:36
